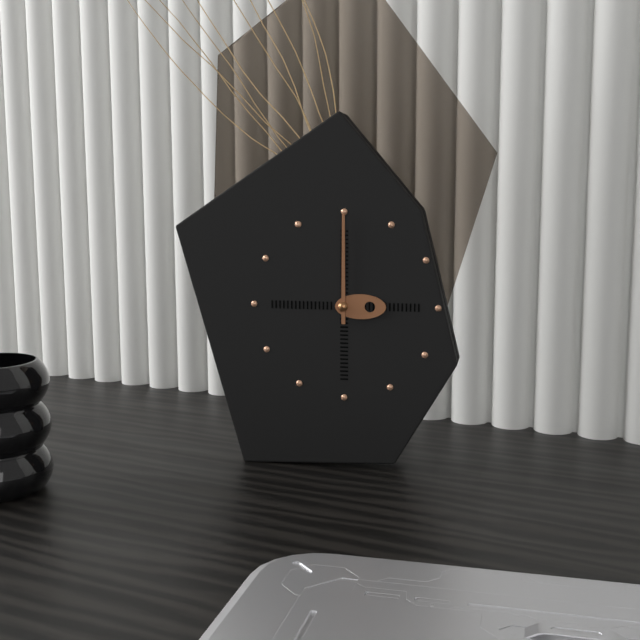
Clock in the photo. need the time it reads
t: 3:00
